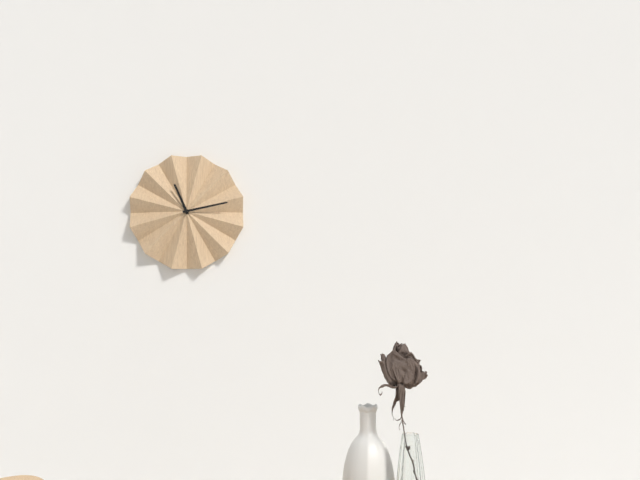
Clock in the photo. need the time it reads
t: 11:13
